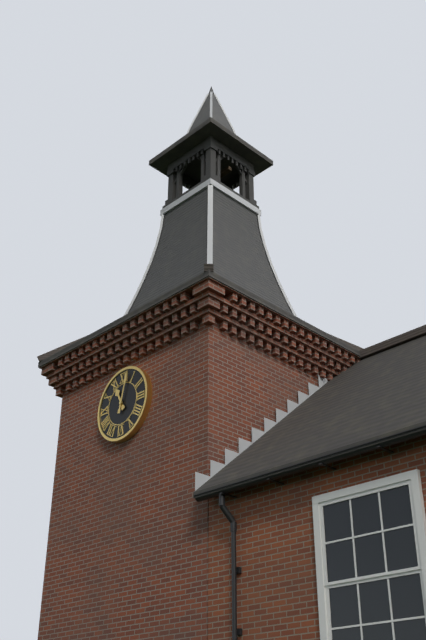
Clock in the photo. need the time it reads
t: 11:02
